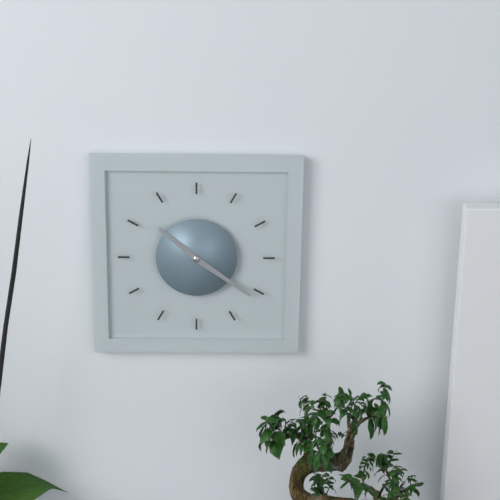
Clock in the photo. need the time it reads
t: 10:21
